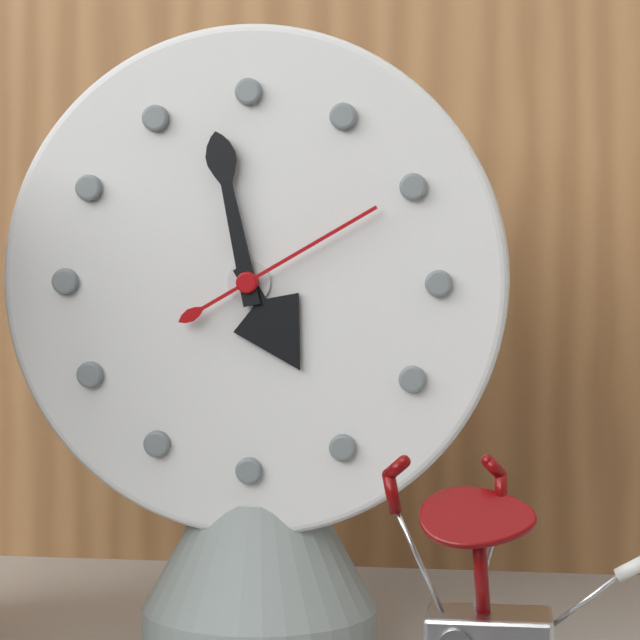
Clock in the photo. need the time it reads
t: 4:58:10
